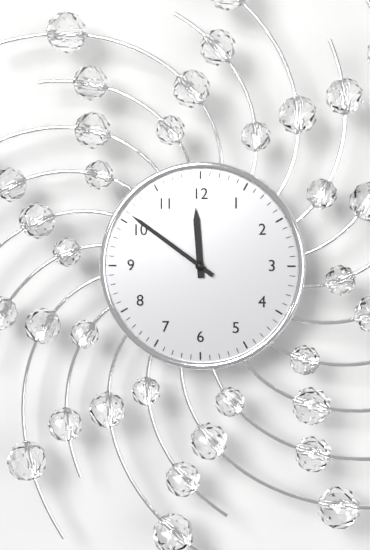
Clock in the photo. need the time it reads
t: 11:51
